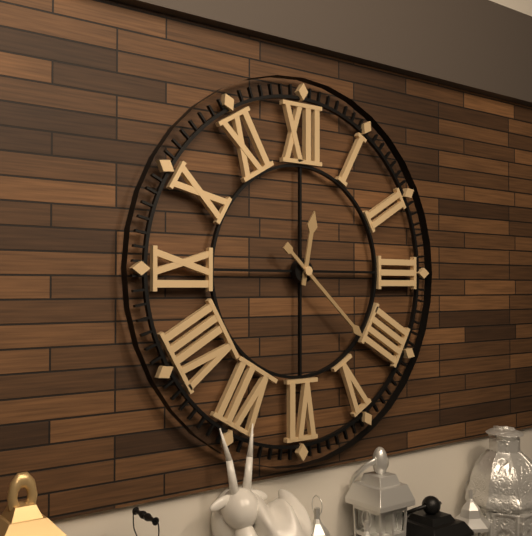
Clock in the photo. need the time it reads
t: 12:22
